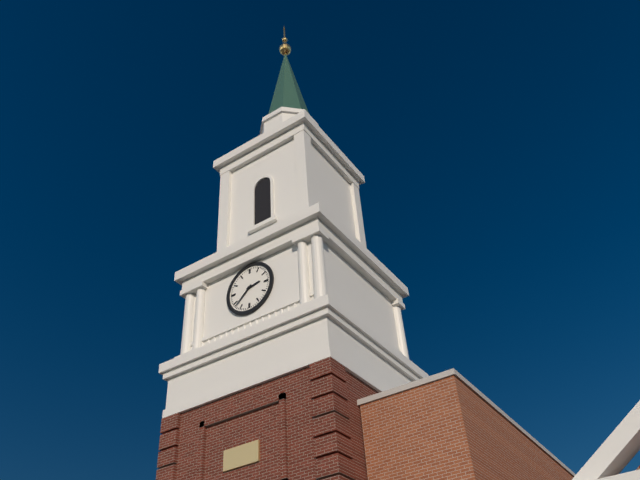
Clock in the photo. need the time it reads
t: 2:38
